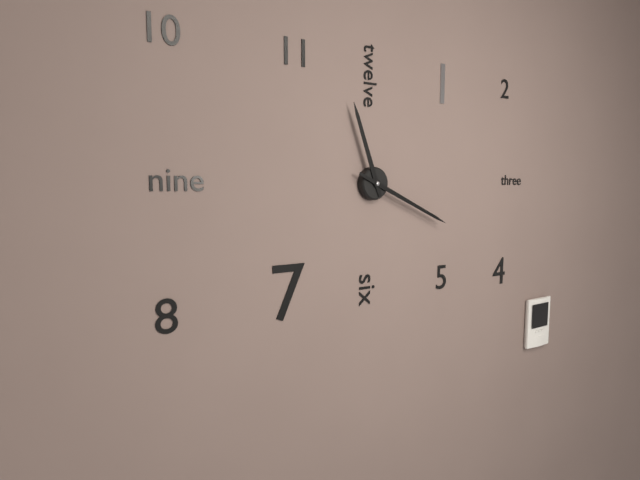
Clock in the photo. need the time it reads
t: 11:19
